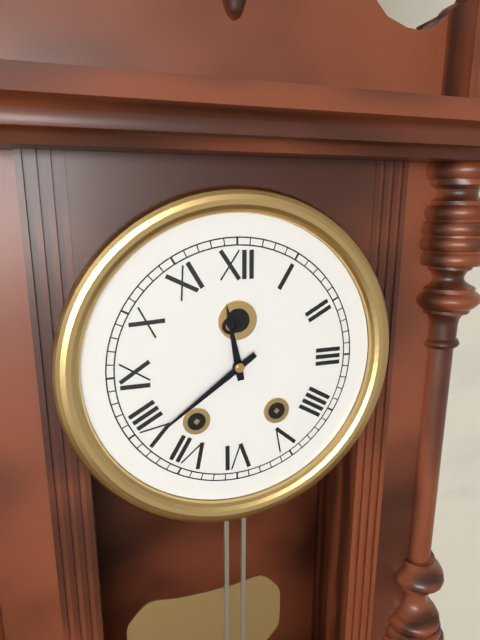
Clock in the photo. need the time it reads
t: 11:39
